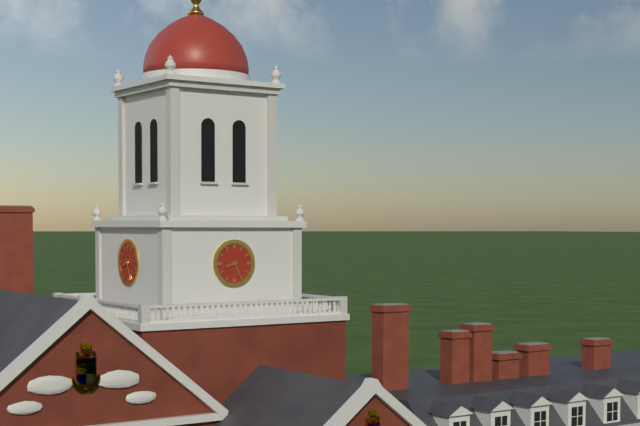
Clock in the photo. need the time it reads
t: 8:26
